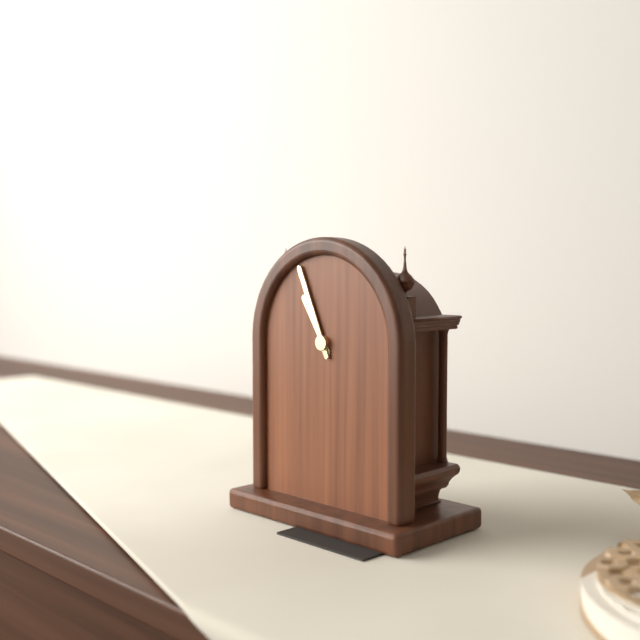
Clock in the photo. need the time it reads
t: 10:56
